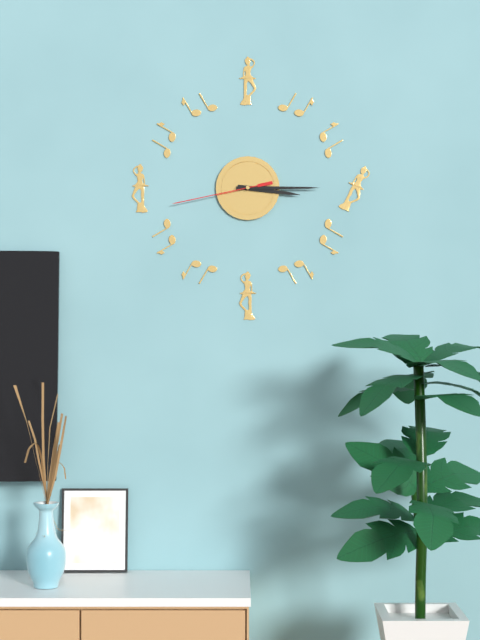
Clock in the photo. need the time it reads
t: 3:15:43
